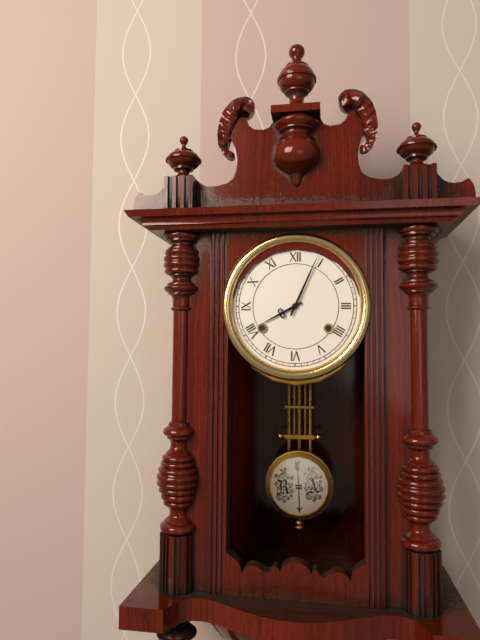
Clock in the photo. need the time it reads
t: 8:04
